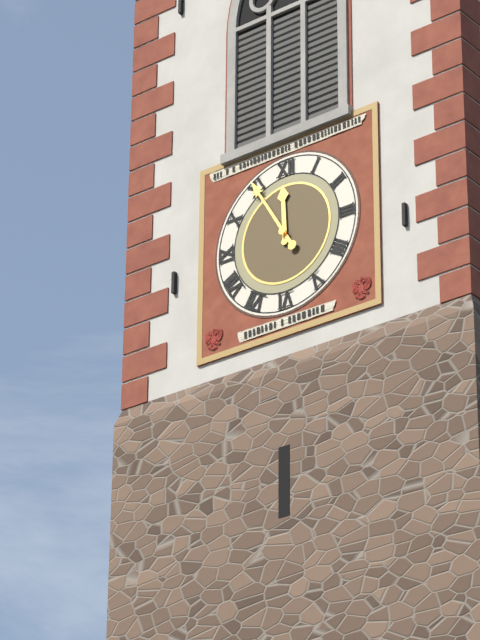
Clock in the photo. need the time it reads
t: 11:55
